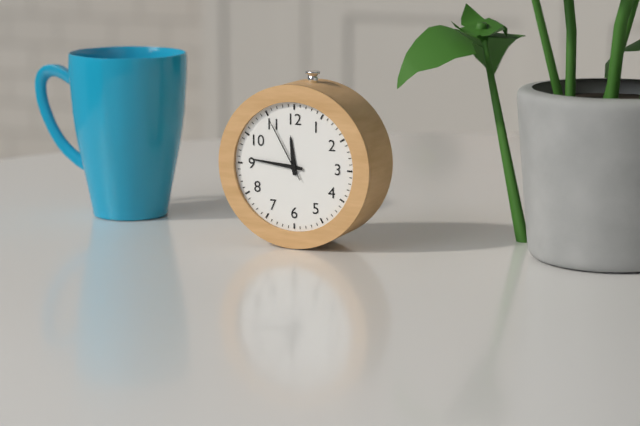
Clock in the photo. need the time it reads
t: 11:46:55
